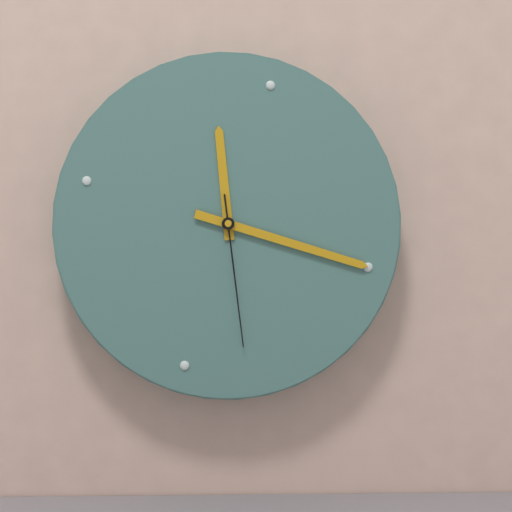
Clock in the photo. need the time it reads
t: 11:15:26
